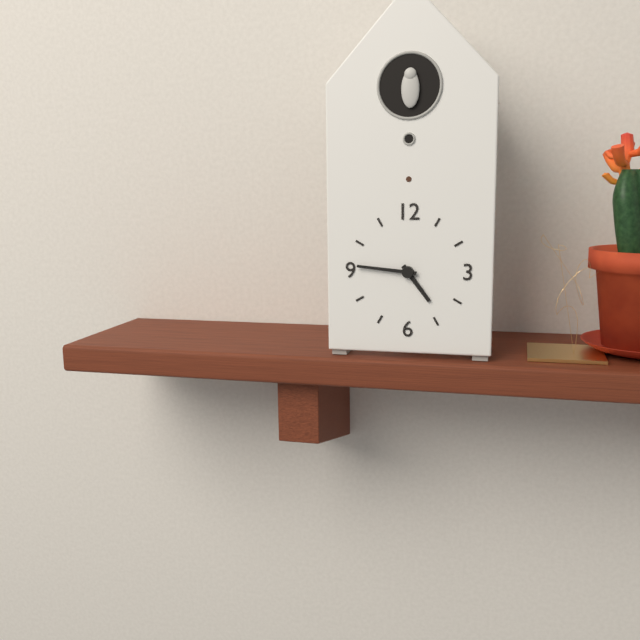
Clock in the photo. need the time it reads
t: 4:46
